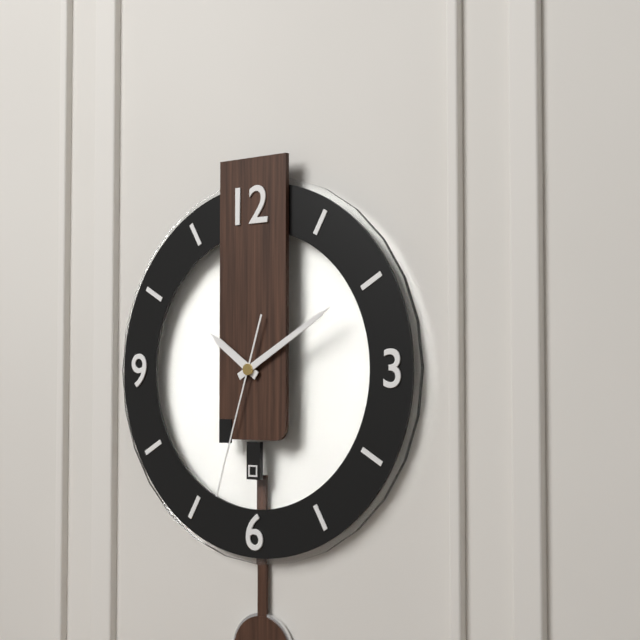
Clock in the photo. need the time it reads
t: 10:10:33
